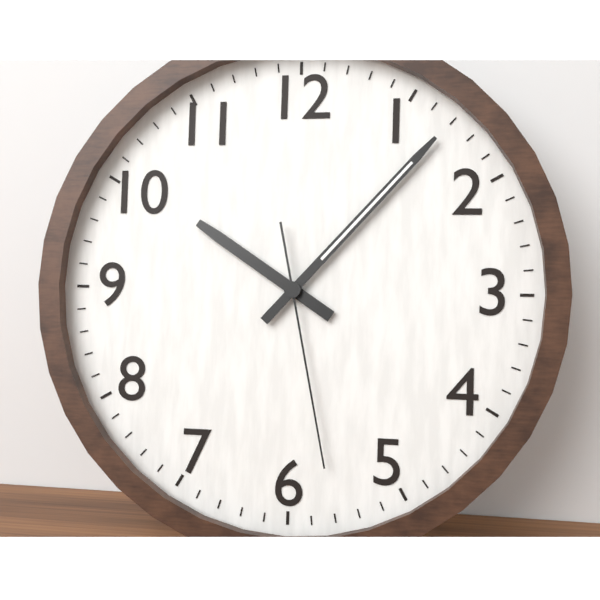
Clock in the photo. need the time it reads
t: 10:07:28
